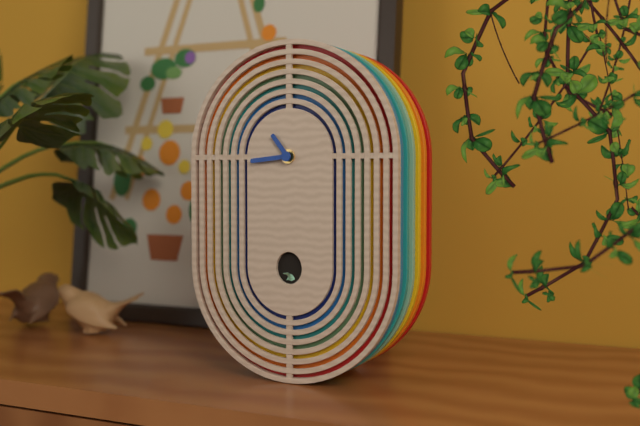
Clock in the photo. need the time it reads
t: 10:44
